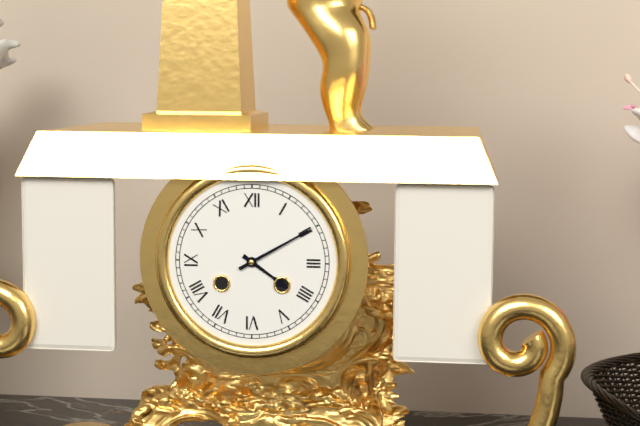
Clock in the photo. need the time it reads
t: 4:10
